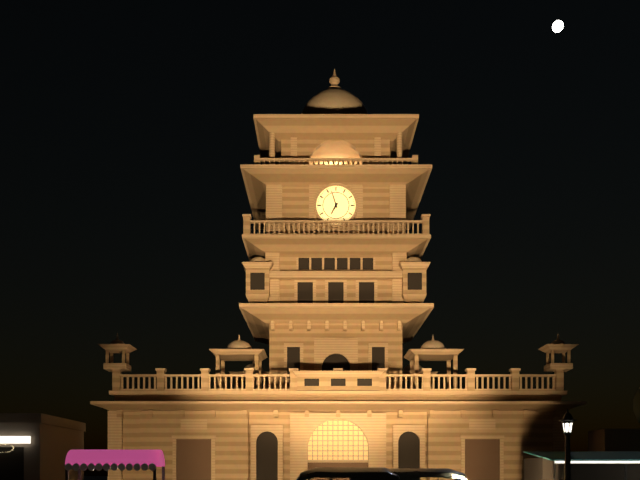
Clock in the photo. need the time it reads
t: 6:57
